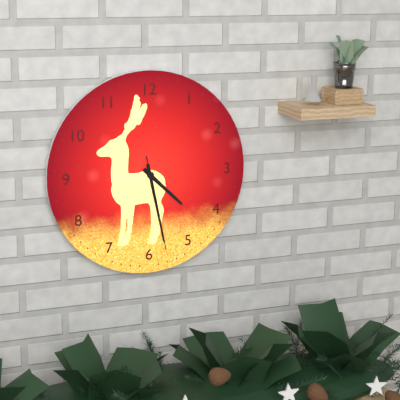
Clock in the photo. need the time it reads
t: 4:28:28
